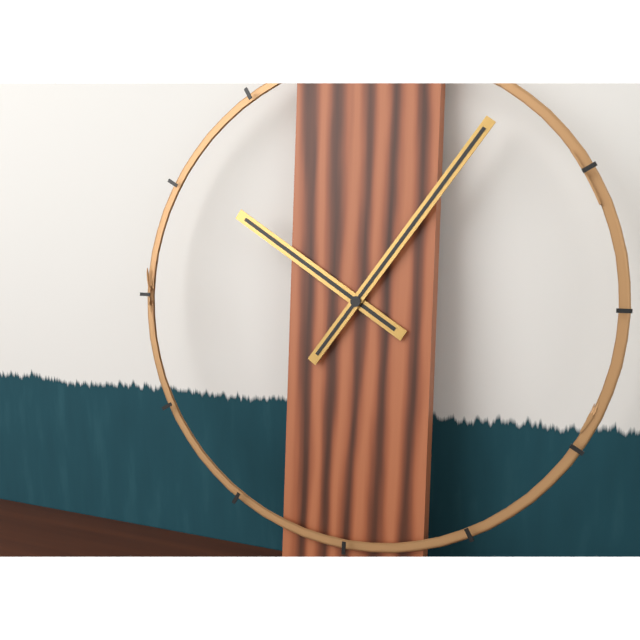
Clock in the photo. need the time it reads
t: 10:06
